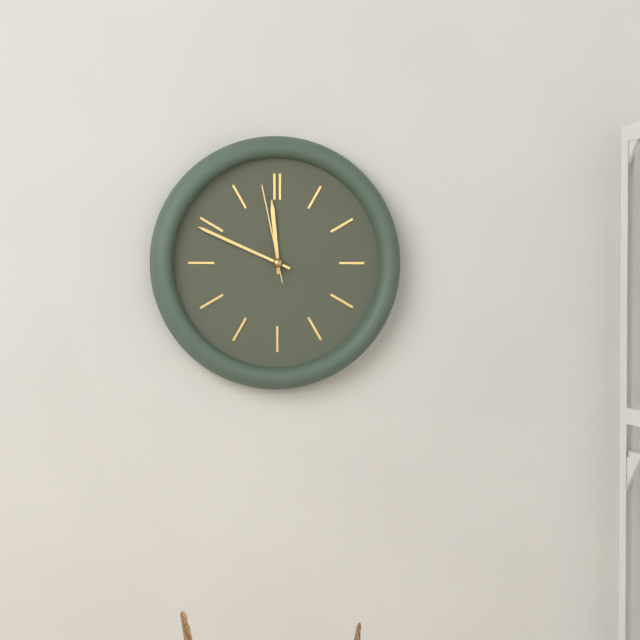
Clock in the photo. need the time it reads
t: 11:49:58
